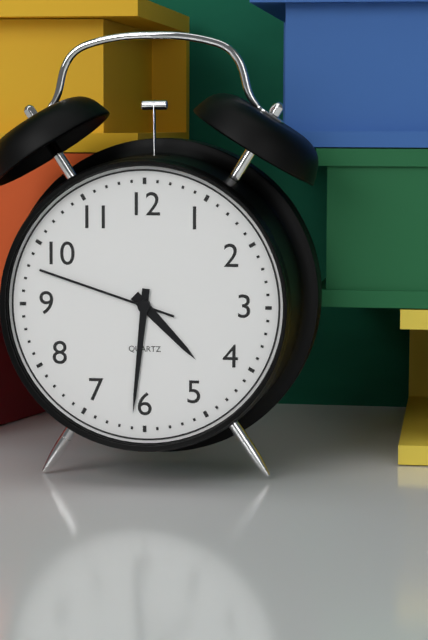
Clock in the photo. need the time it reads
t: 4:31:48
